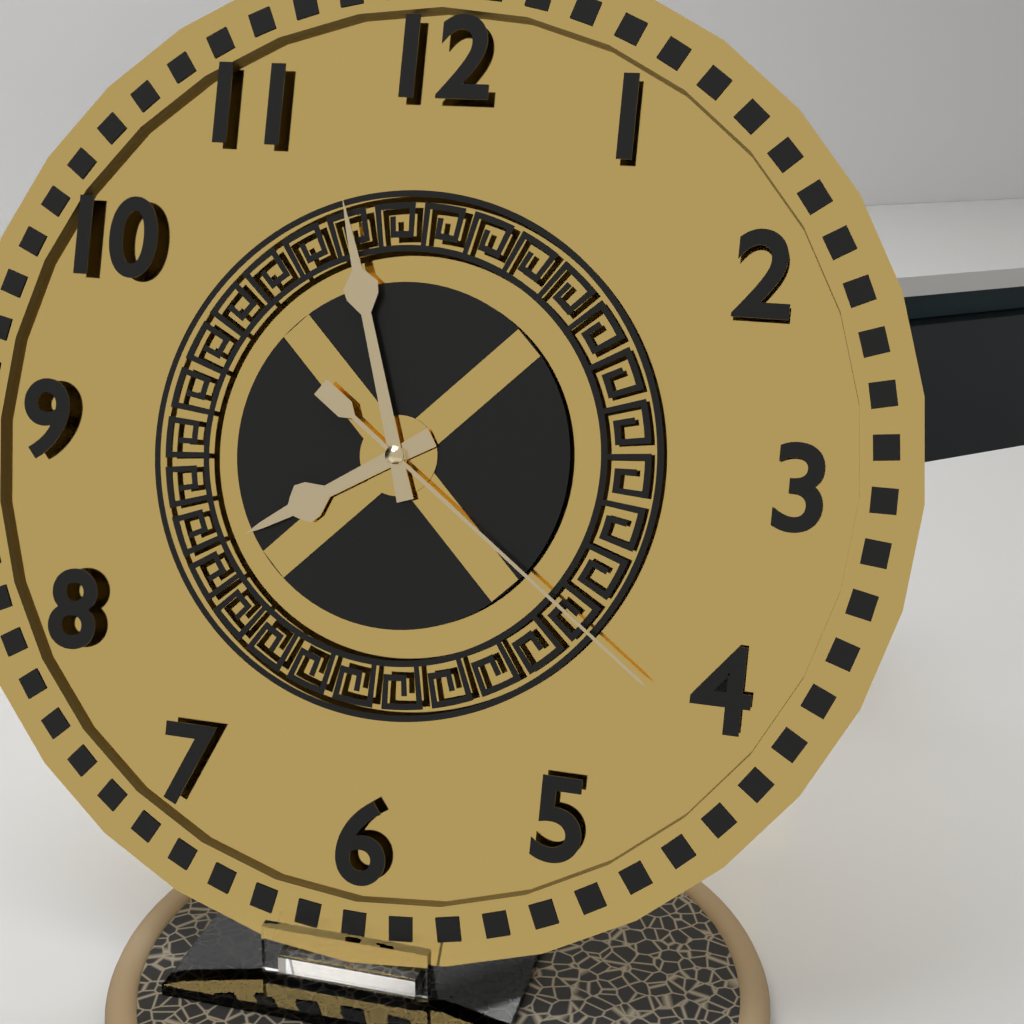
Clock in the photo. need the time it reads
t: 7:57:21
